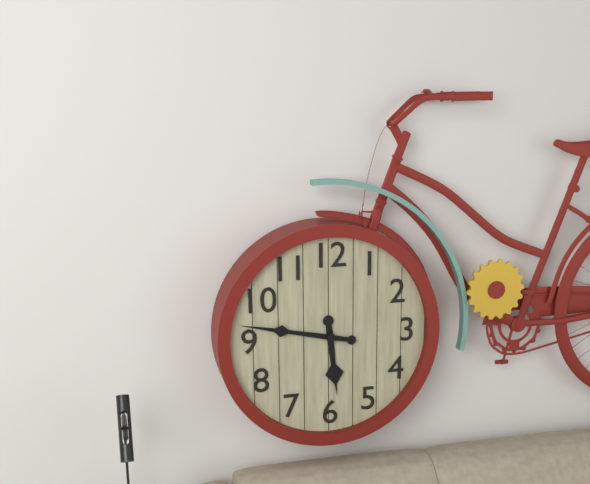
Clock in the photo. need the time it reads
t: 5:47
